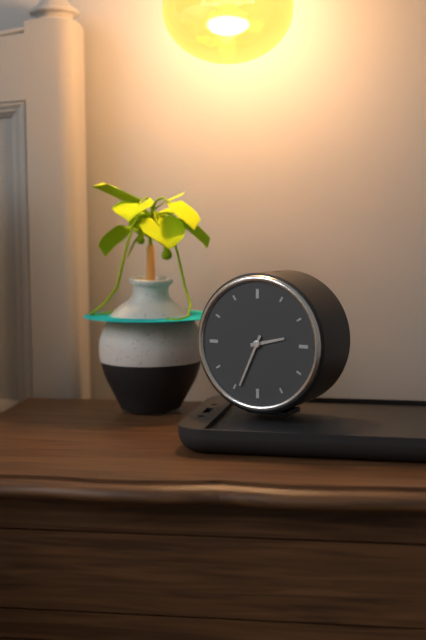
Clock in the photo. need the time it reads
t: 2:34
